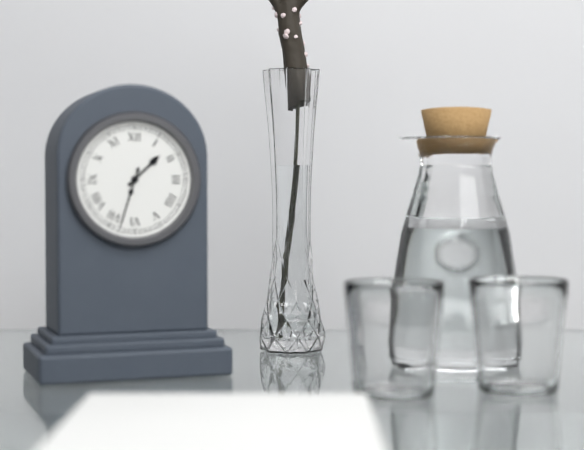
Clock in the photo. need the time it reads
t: 1:33
